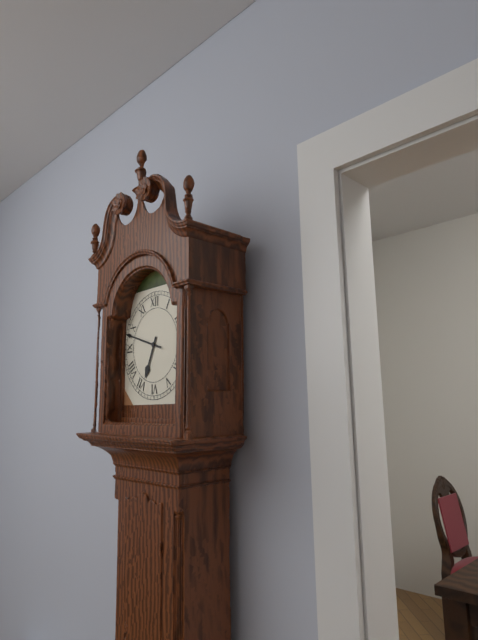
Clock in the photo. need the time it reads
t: 6:48
